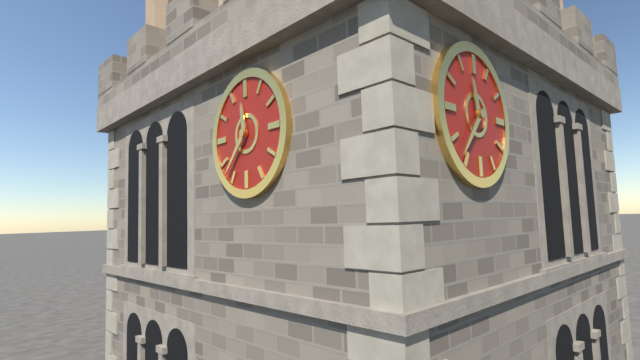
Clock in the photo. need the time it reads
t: 11:37
